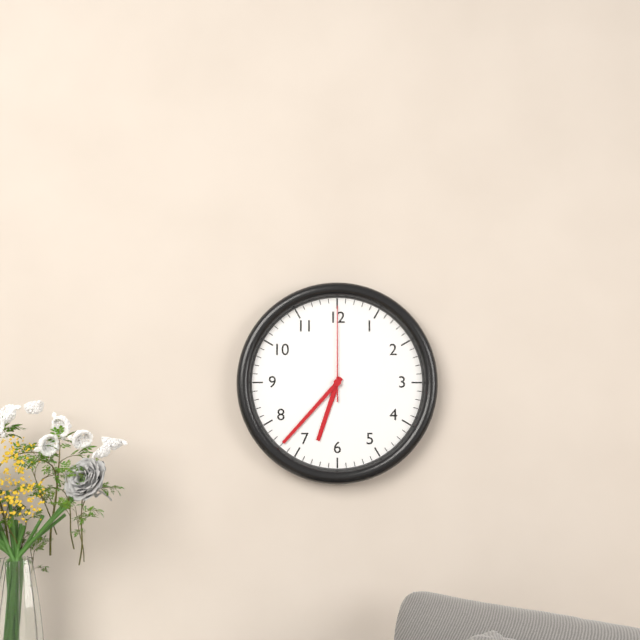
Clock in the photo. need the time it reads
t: 6:37:00
